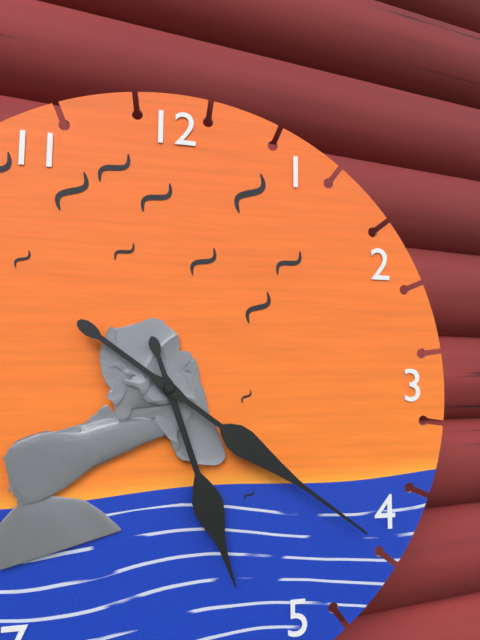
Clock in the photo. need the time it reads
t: 5:21
